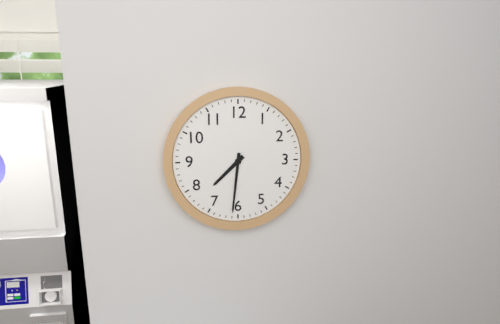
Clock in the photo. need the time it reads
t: 7:31
